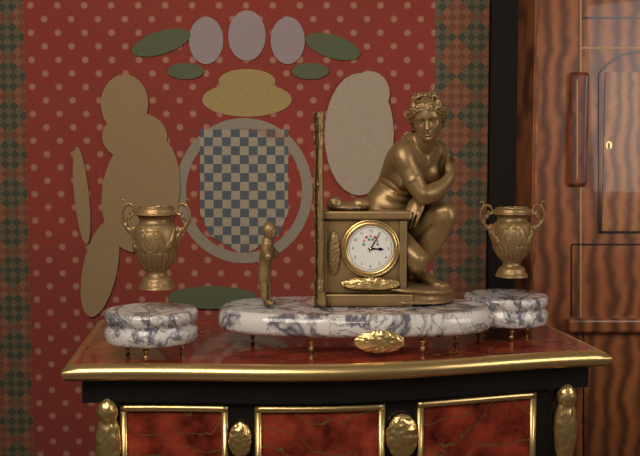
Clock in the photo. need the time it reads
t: 3:05
